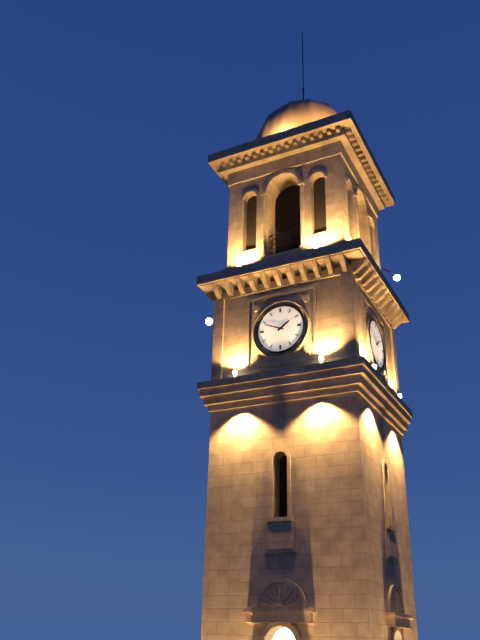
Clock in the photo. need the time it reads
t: 1:49
